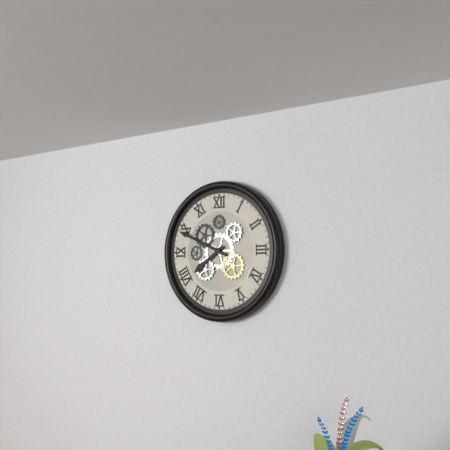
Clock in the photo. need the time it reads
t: 7:49
